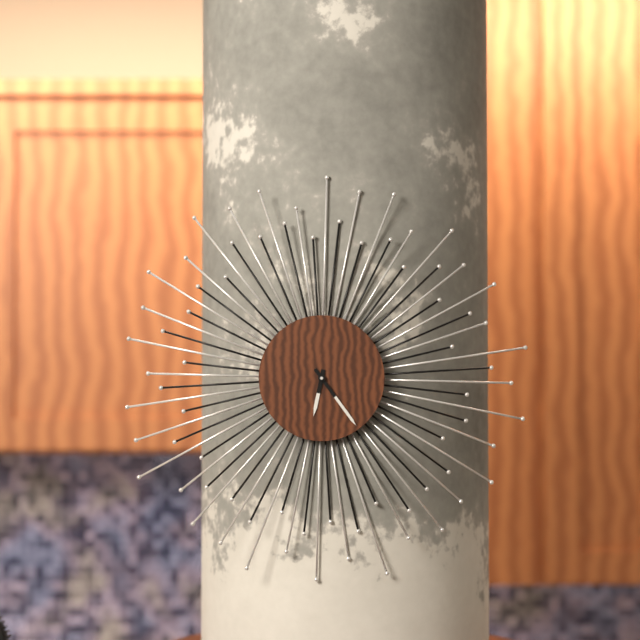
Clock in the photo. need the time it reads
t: 6:24
